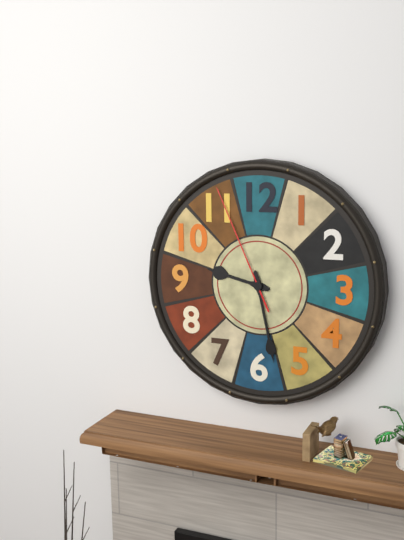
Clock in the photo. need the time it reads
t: 9:28:56
